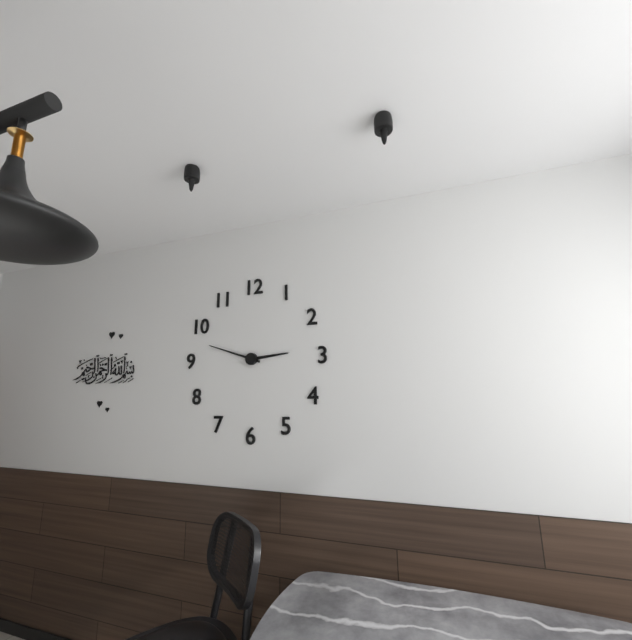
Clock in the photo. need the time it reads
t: 2:48
